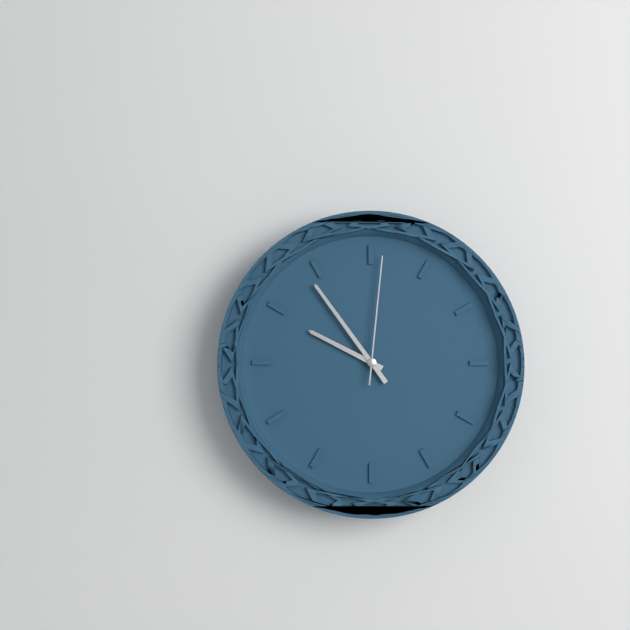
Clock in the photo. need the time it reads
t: 9:54:01
